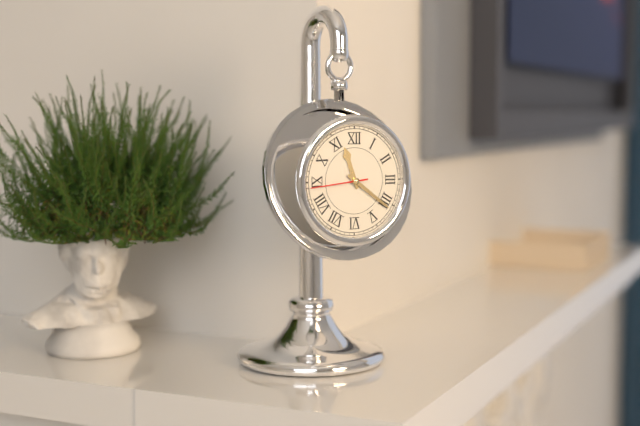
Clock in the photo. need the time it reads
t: 11:21:44
